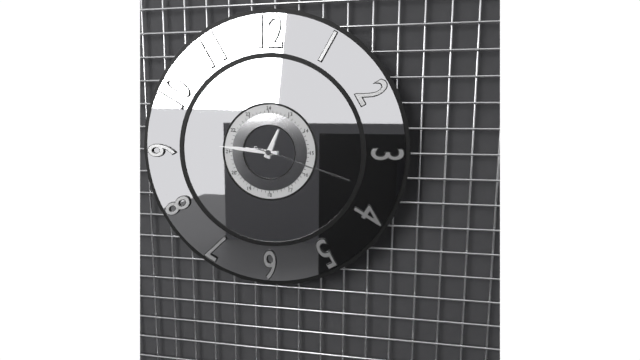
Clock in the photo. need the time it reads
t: 12:46:18
